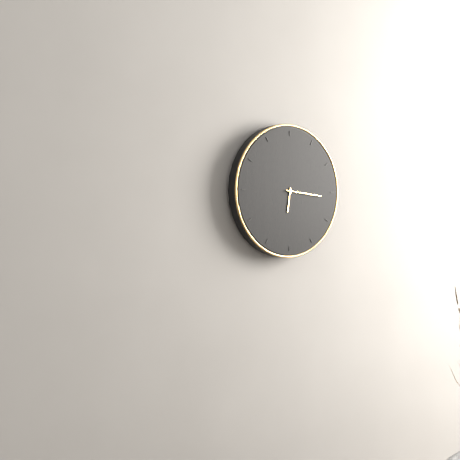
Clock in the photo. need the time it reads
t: 6:16
